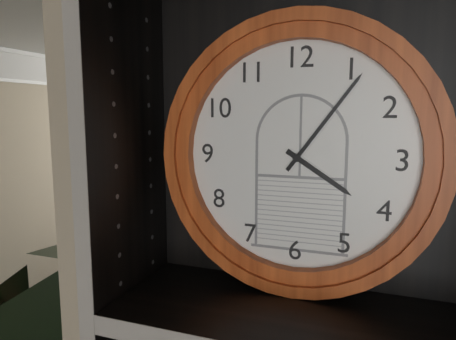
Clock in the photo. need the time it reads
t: 4:06
